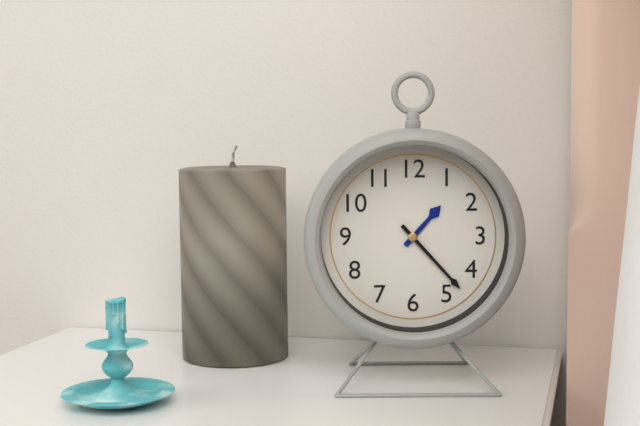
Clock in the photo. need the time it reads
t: 1:23
